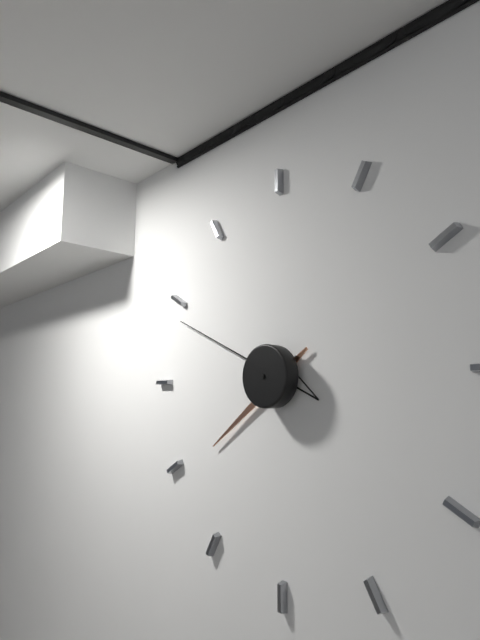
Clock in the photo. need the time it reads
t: 7:49
